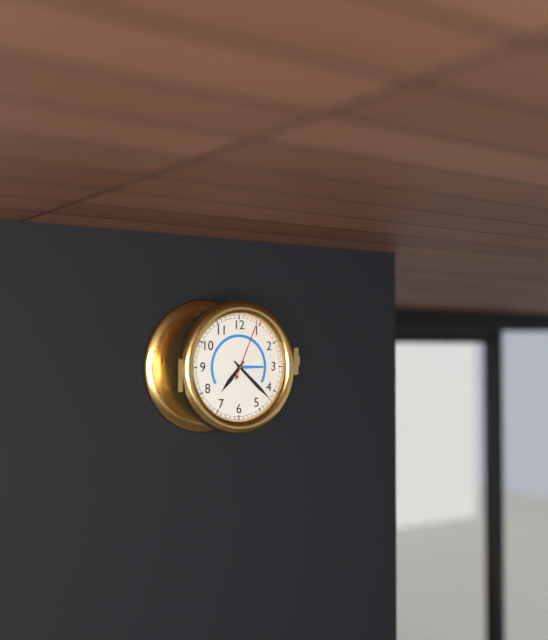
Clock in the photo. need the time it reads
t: 7:22:04
